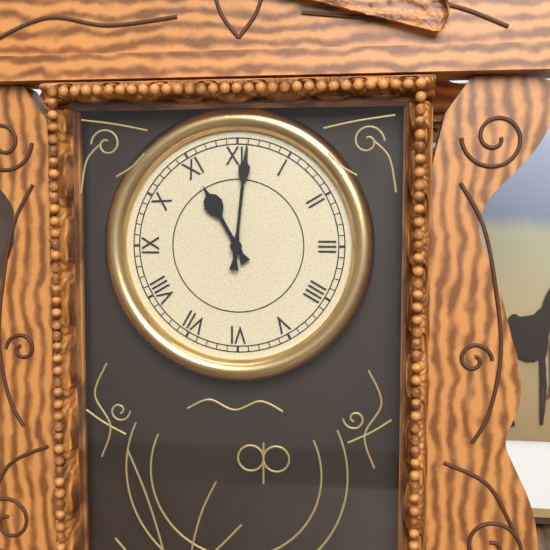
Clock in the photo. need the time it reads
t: 11:01
